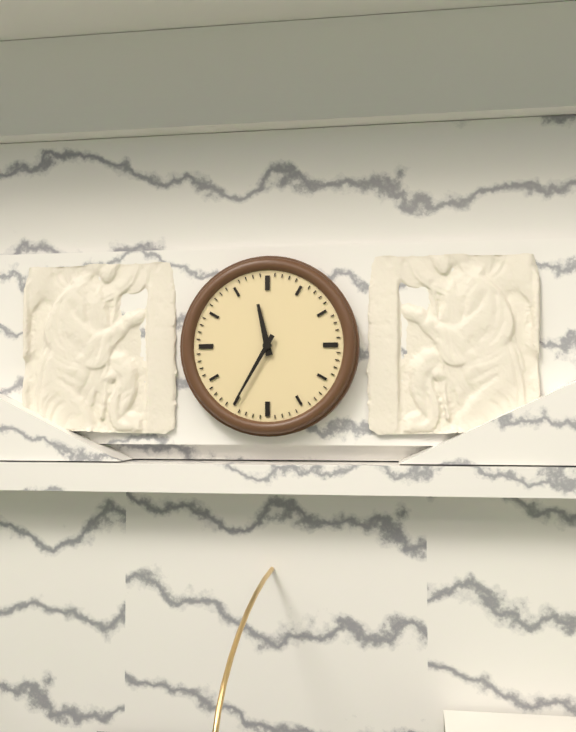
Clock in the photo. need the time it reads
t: 11:35
